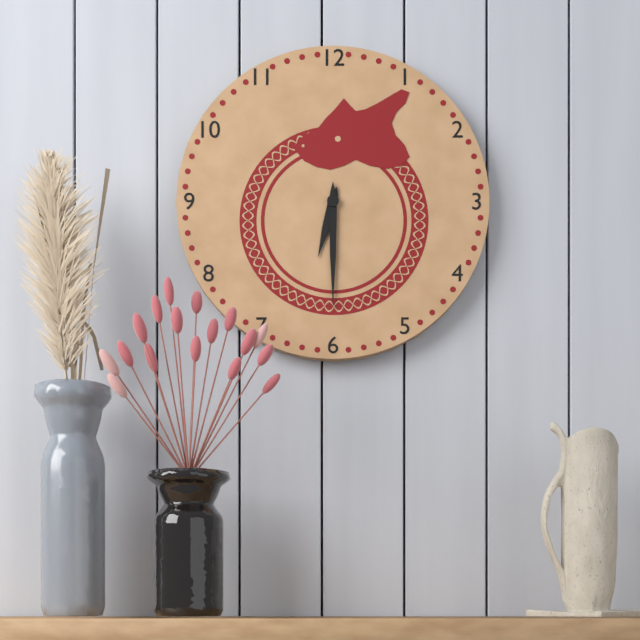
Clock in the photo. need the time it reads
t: 6:30
